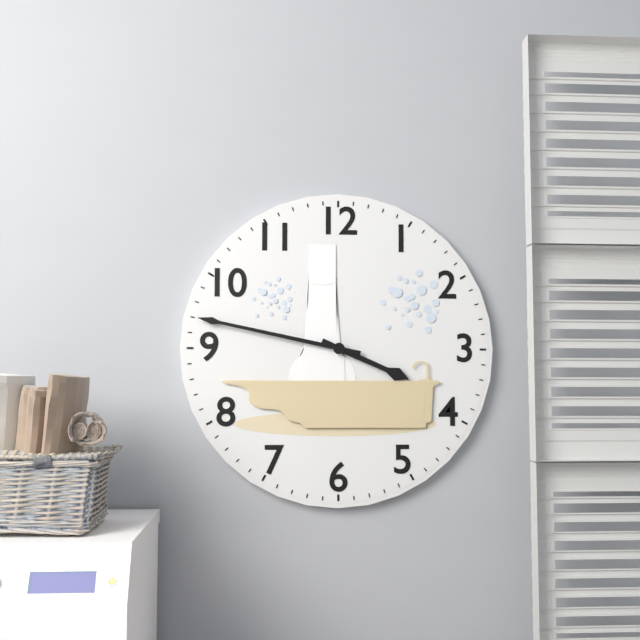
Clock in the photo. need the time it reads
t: 3:47
